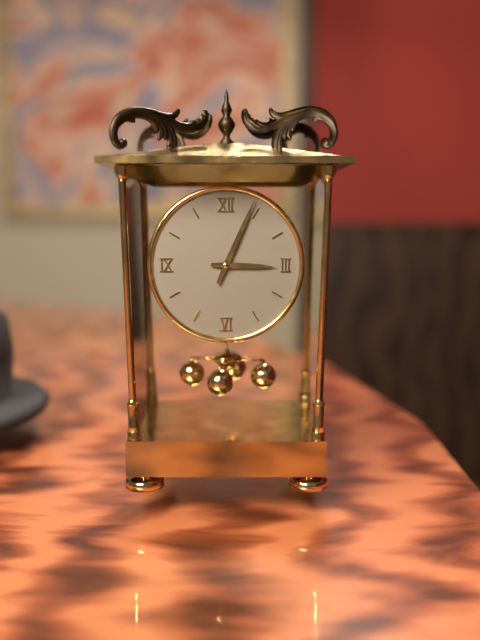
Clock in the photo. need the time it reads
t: 3:04
